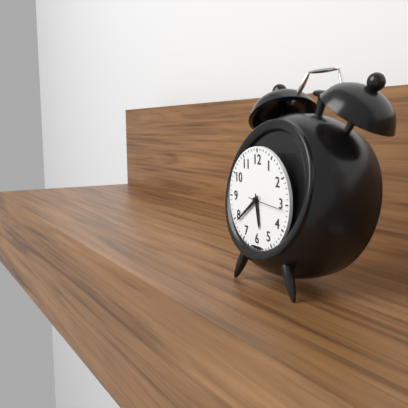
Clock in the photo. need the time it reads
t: 5:39
